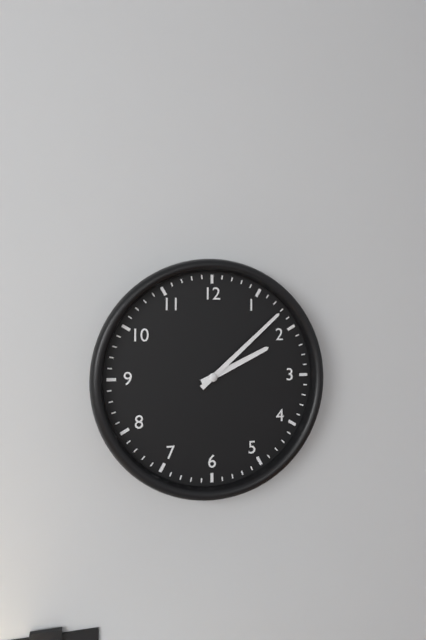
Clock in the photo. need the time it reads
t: 2:08
